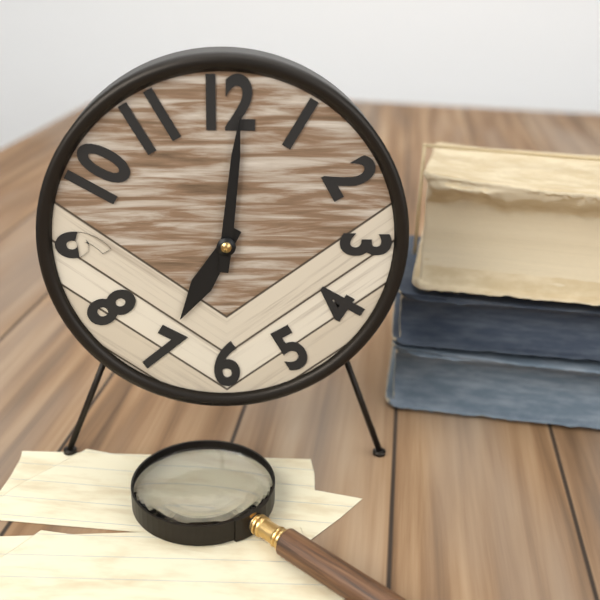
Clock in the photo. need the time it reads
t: 7:01
